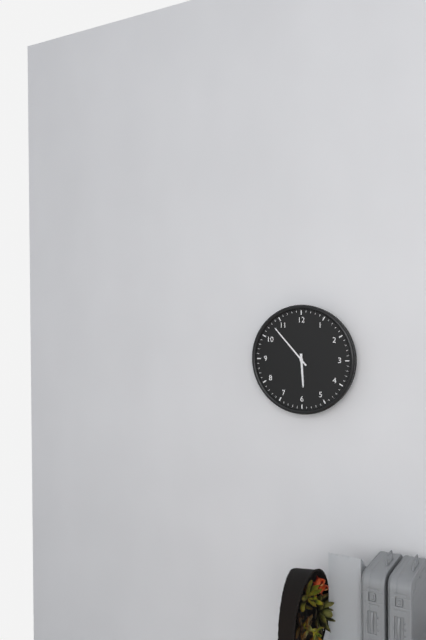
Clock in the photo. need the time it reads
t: 5:53
